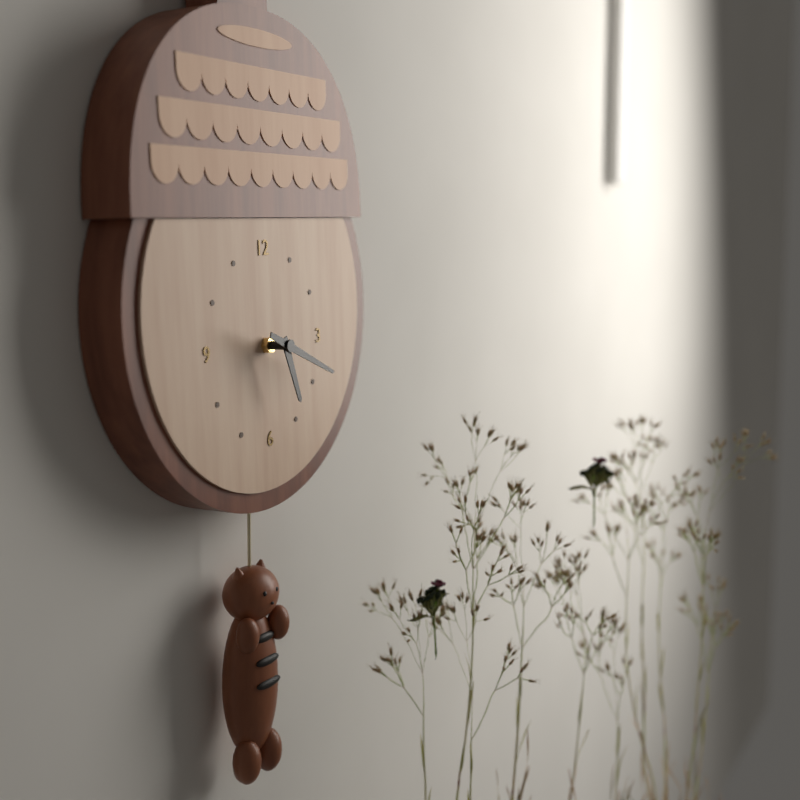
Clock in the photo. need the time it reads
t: 5:19
